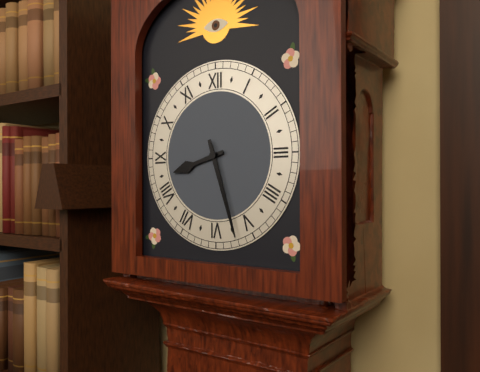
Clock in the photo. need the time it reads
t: 8:27
